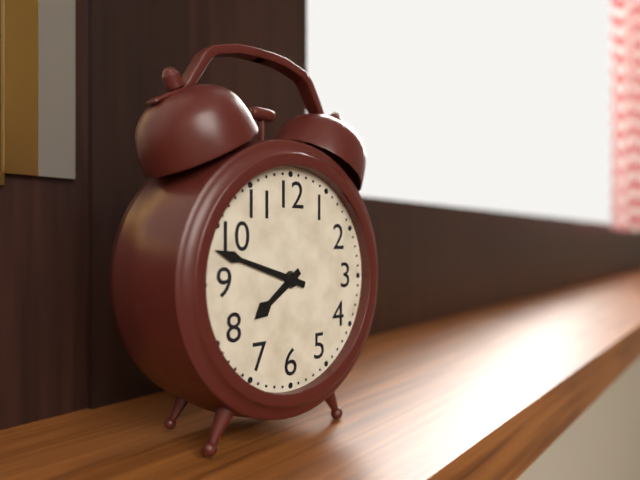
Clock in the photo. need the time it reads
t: 7:48
